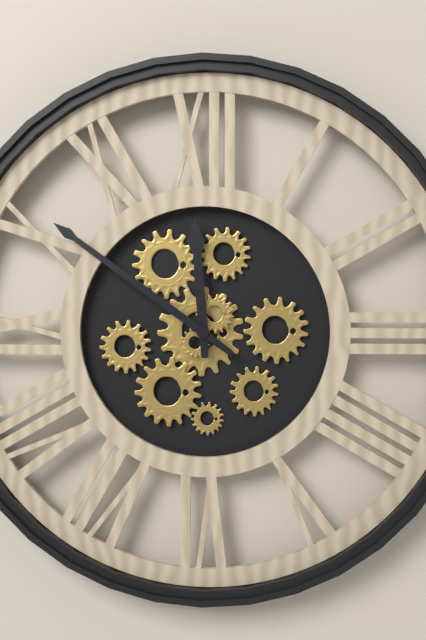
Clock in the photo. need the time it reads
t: 11:51
